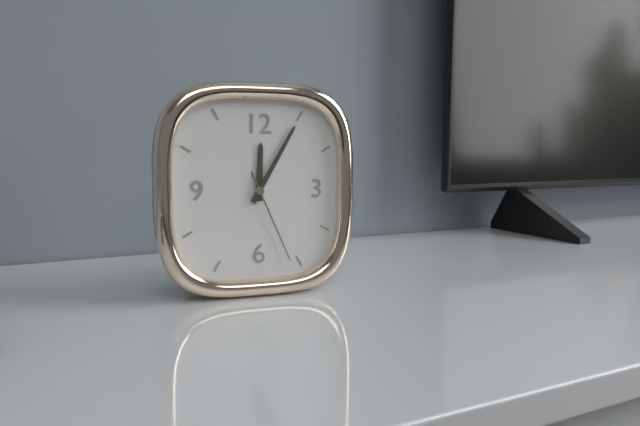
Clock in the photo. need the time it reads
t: 12:05:26
